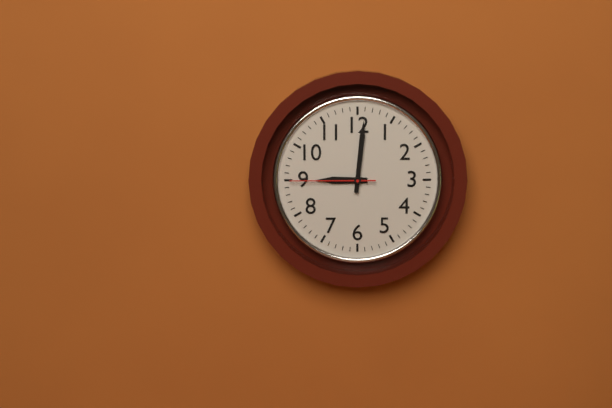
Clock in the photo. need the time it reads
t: 9:01:45
